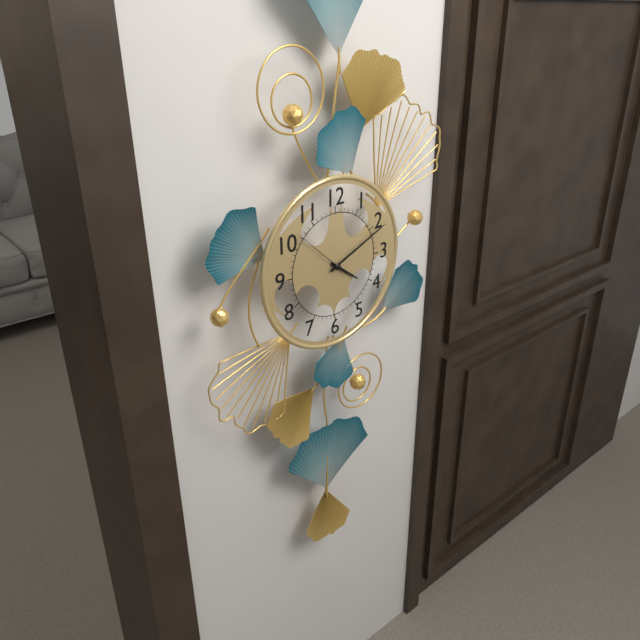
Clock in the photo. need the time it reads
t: 4:11:52
